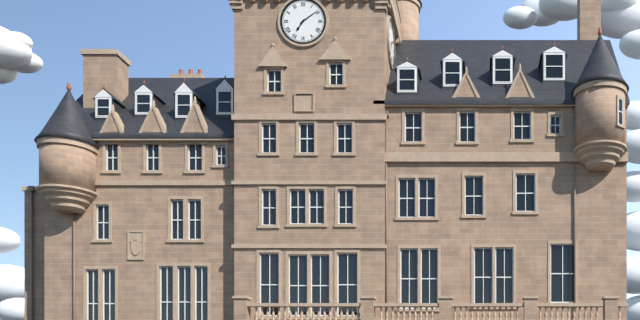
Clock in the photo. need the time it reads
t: 7:09
